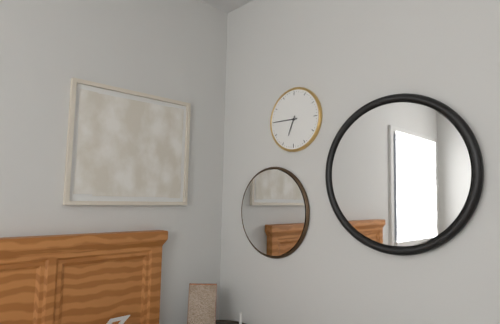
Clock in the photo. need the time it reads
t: 6:45
